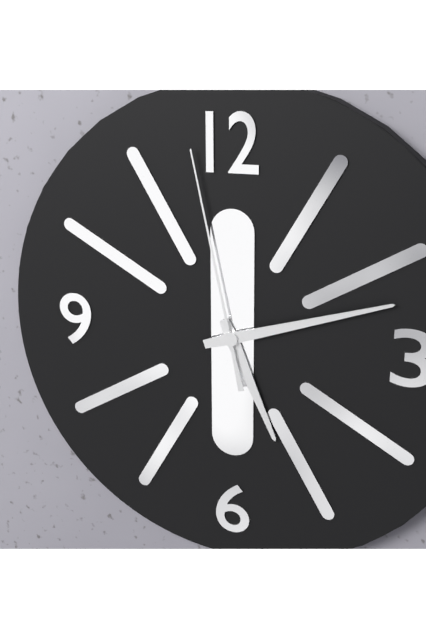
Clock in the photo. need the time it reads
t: 5:12:58
